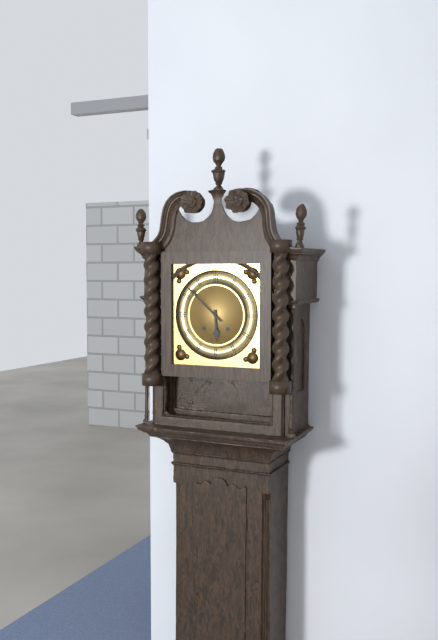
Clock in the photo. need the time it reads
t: 5:52
